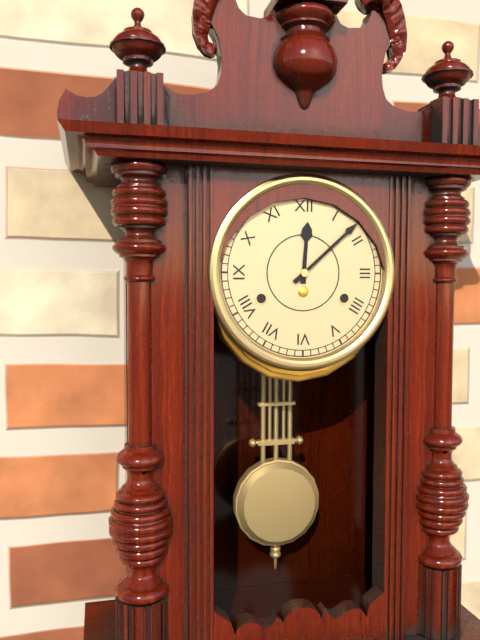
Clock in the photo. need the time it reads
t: 12:08
